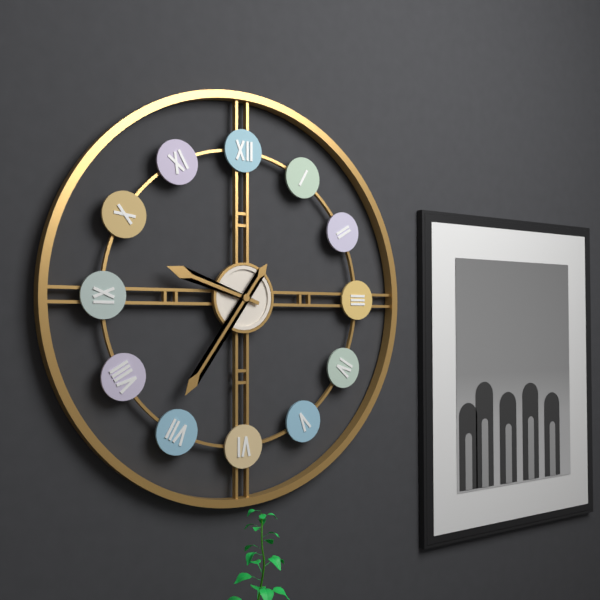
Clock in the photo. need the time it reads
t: 9:36
